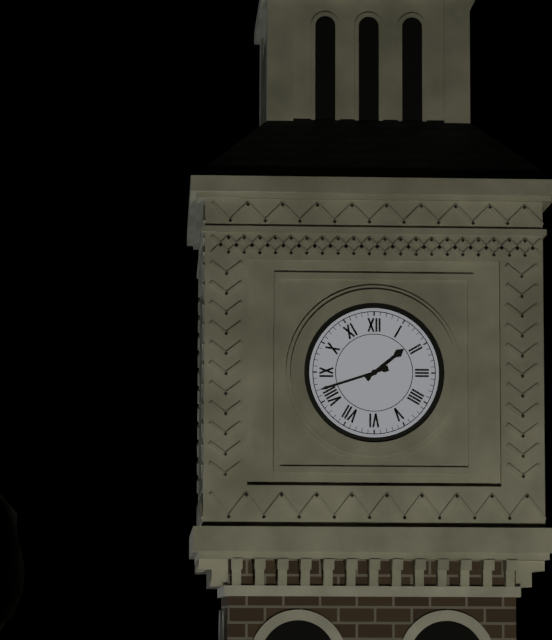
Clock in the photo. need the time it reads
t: 1:42
